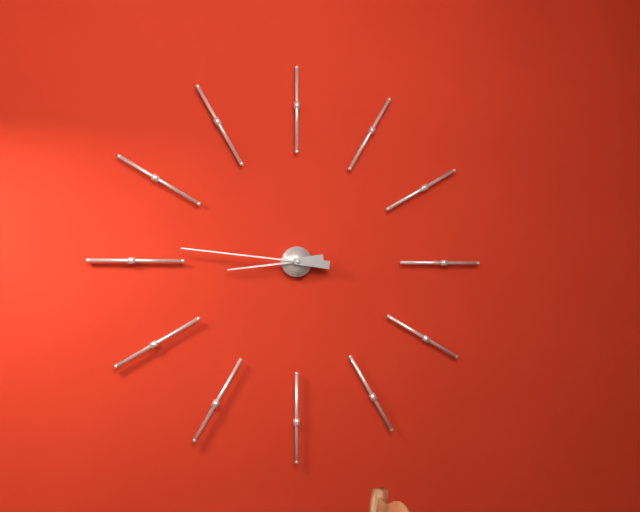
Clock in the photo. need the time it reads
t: 8:46
